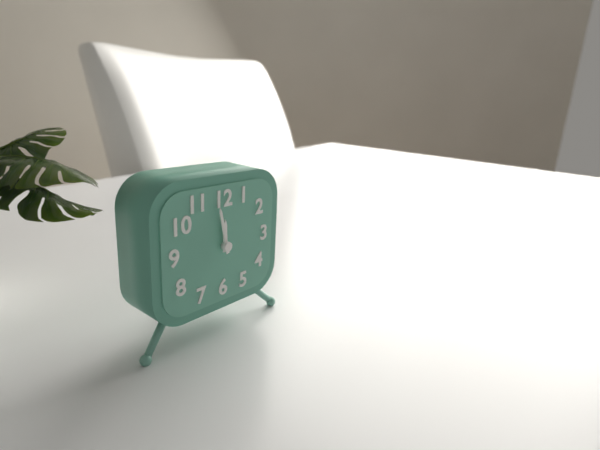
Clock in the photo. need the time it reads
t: 11:58
